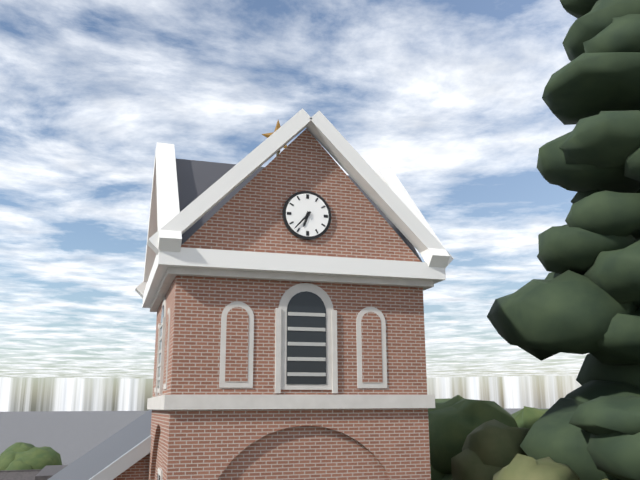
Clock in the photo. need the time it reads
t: 6:37
